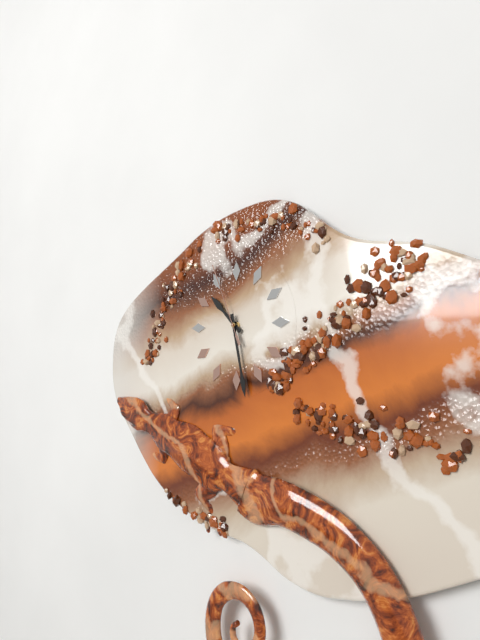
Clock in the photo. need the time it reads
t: 10:28:56
